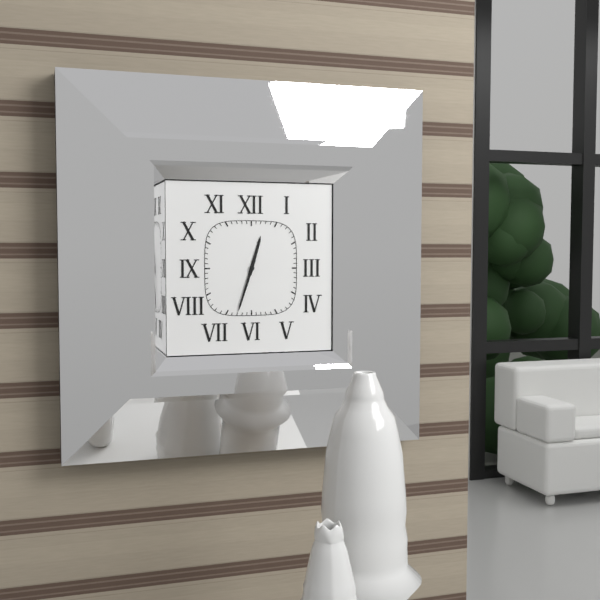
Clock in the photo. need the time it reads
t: 12:33
